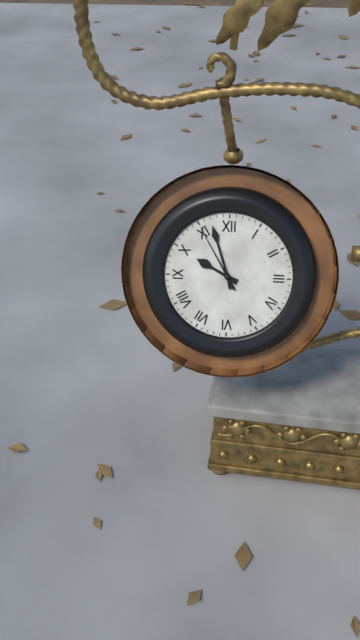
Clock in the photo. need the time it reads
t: 9:57:55
